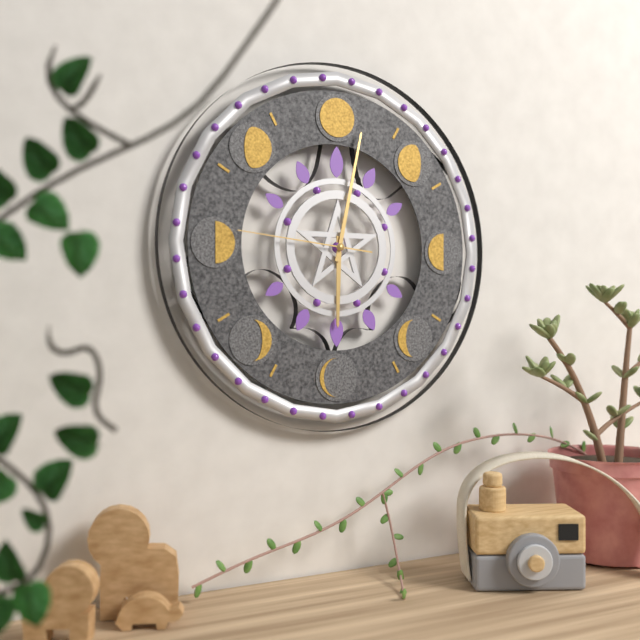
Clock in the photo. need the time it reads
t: 6:02:46
